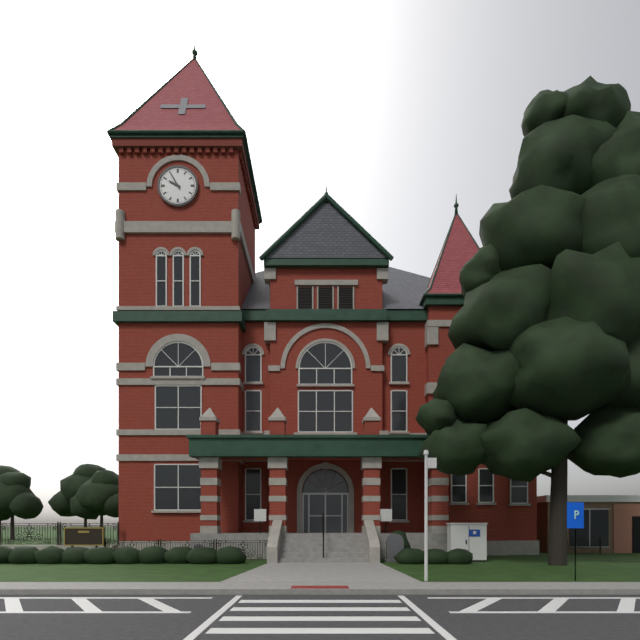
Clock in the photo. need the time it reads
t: 9:55
